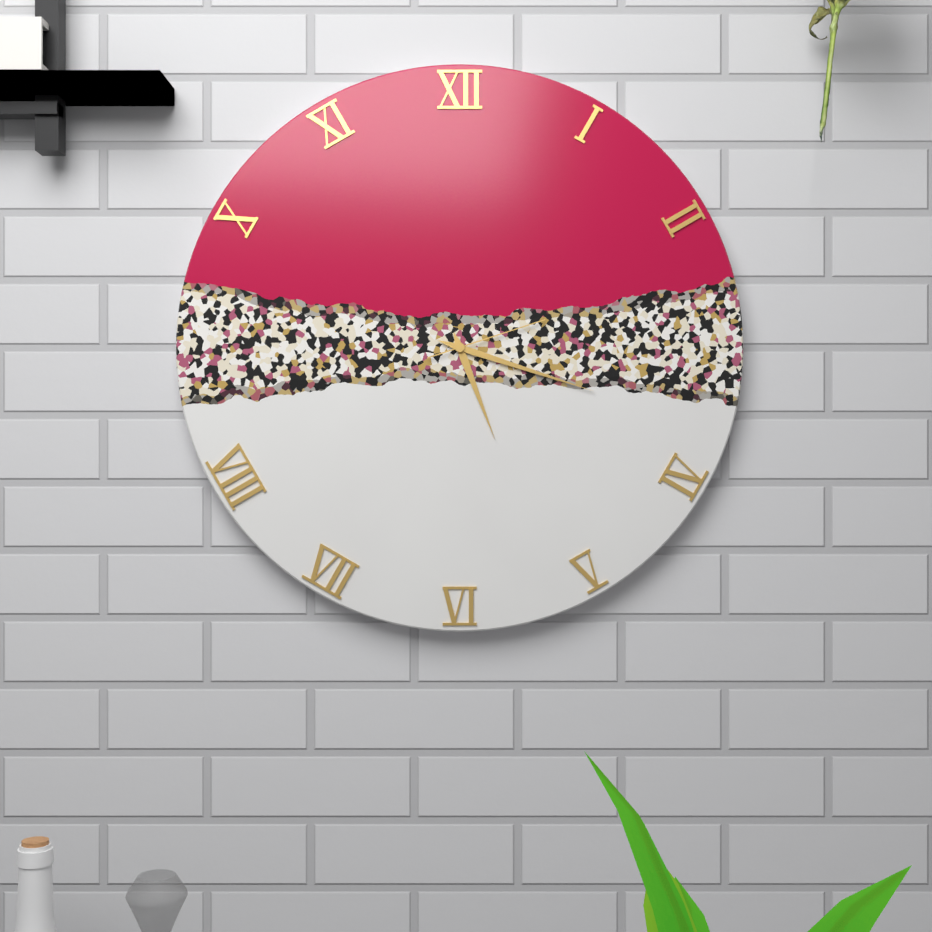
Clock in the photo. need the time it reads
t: 5:18:12
